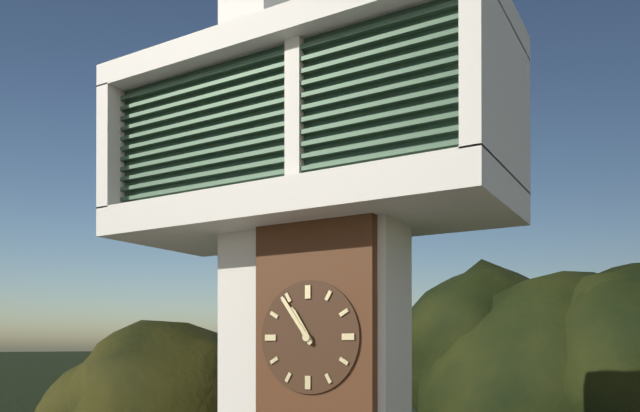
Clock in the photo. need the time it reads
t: 10:54
